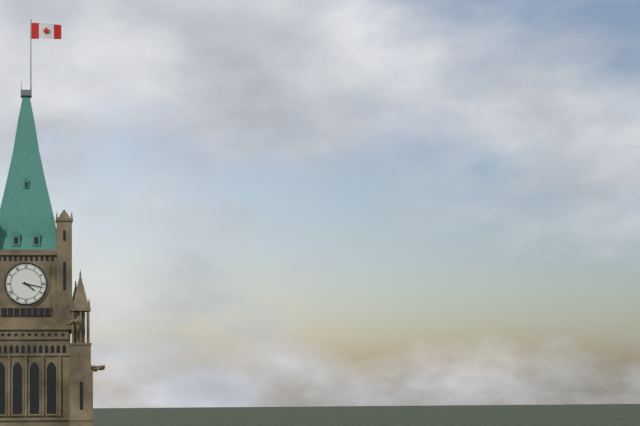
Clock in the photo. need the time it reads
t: 4:17
